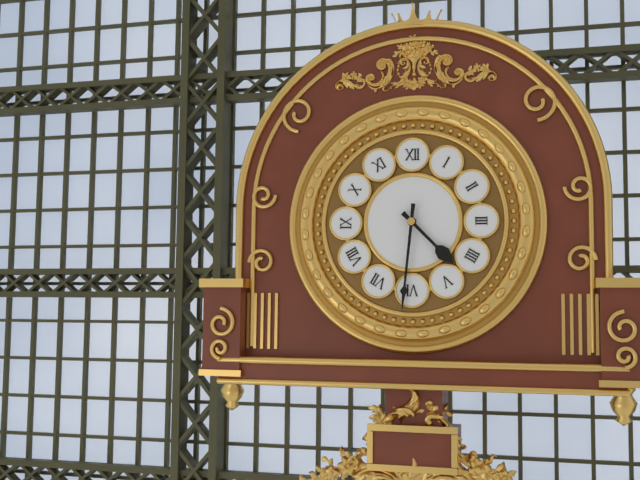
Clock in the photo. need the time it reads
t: 4:31
